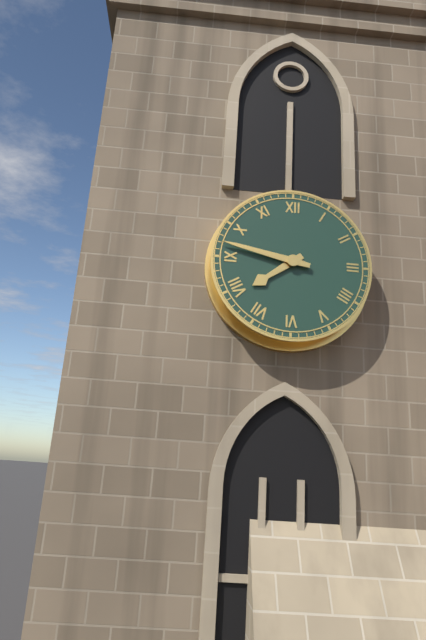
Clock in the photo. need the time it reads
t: 7:47
